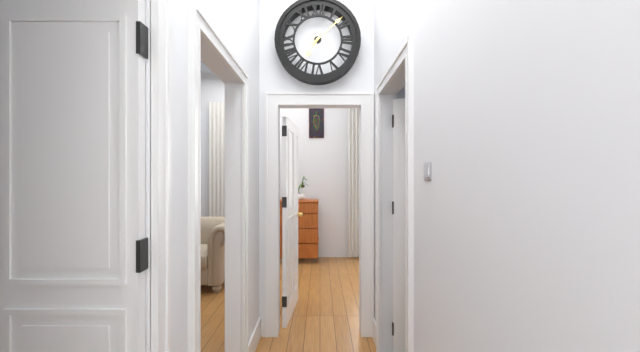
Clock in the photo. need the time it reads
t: 7:08
